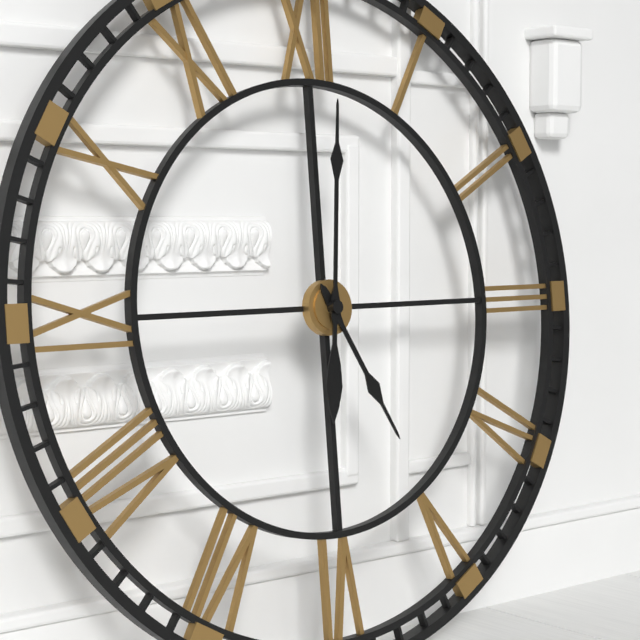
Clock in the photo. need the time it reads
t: 5:01
